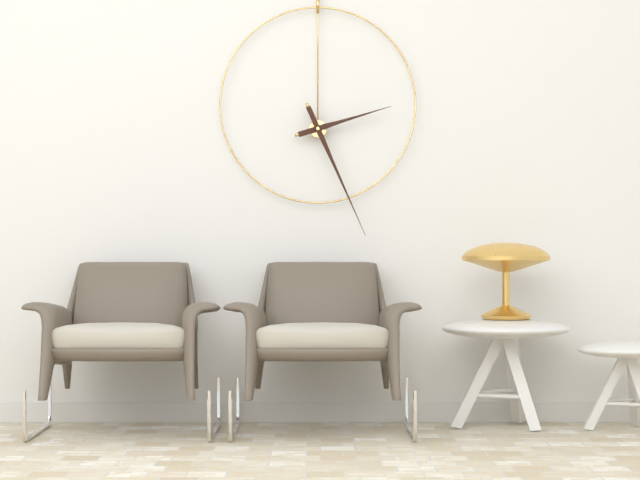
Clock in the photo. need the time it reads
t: 2:26
